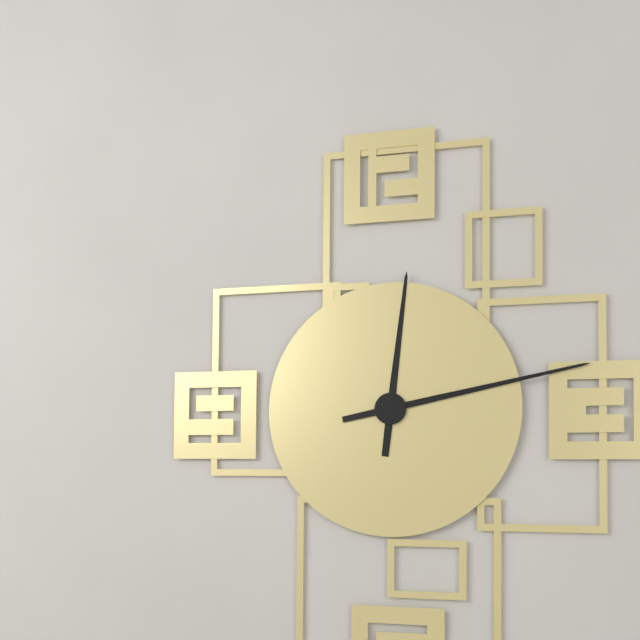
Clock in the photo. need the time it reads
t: 12:13
